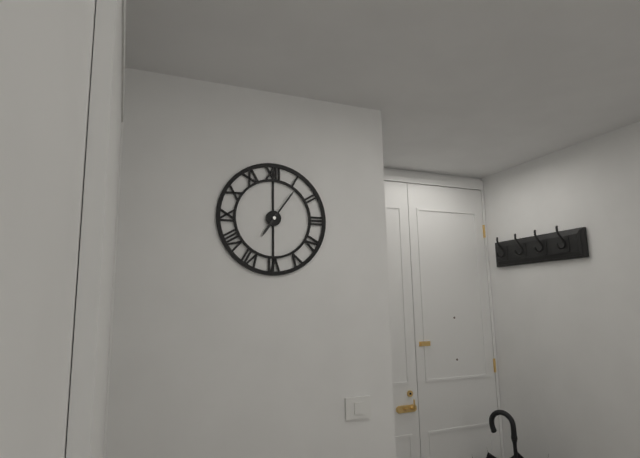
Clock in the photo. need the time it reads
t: 7:06
